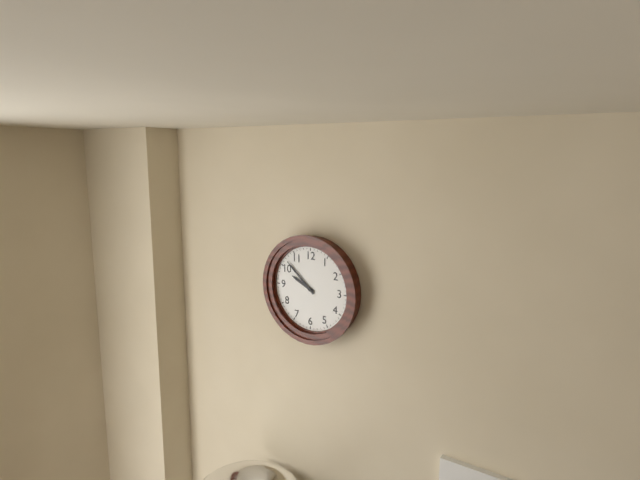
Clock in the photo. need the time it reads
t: 9:52
